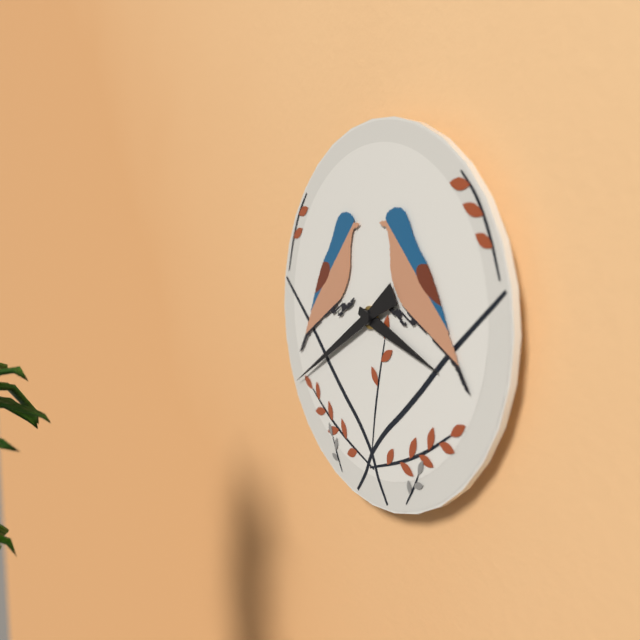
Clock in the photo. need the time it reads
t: 3:40
